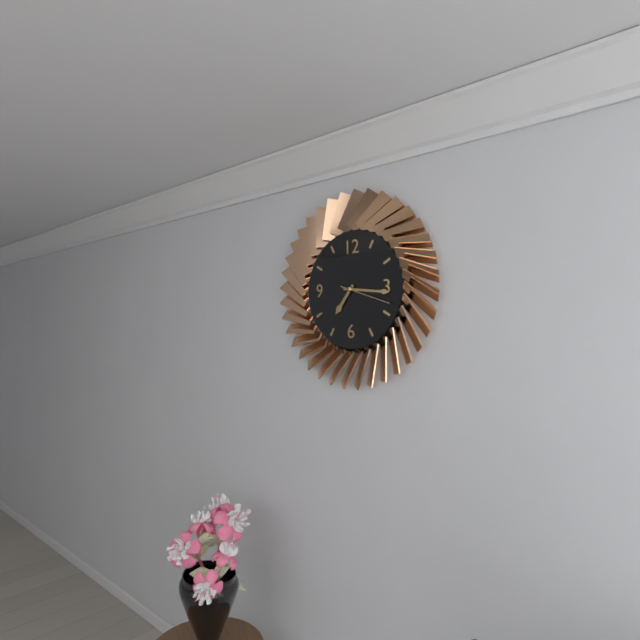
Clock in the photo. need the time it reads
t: 7:16:18
